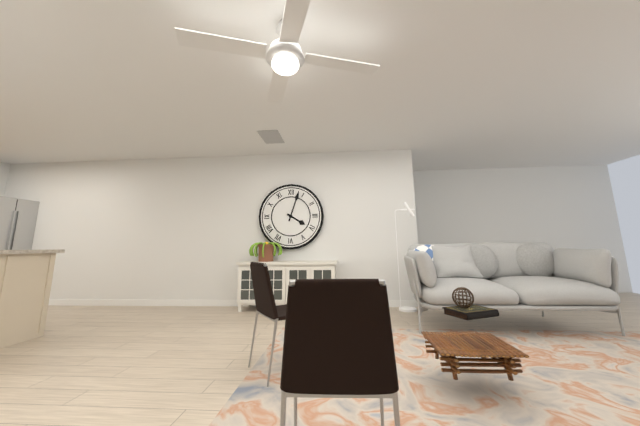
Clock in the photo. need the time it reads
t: 4:03
